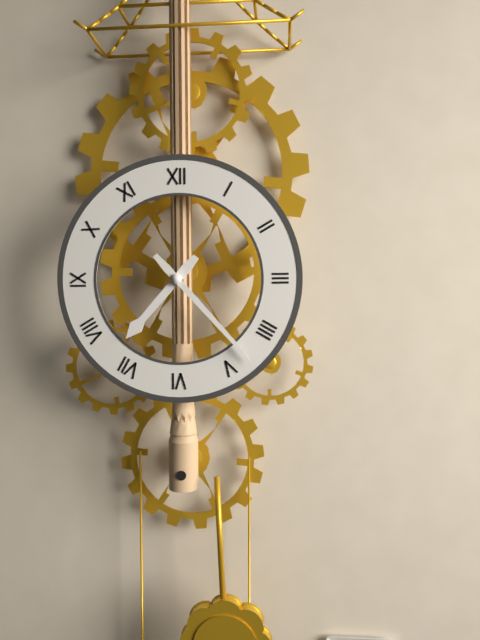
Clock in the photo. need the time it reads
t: 7:23
